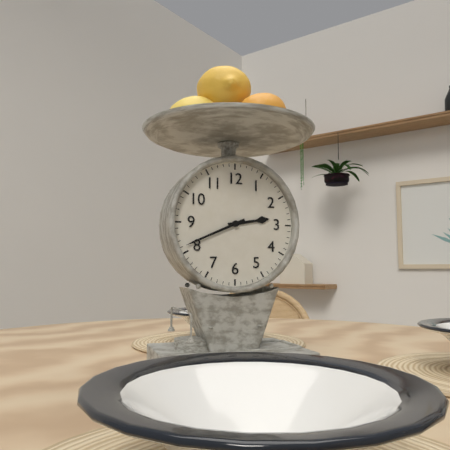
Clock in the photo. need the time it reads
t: 2:41
